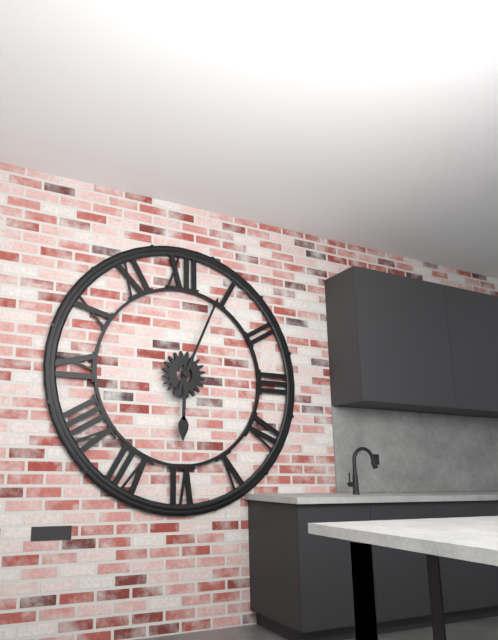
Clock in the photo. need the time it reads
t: 6:04
